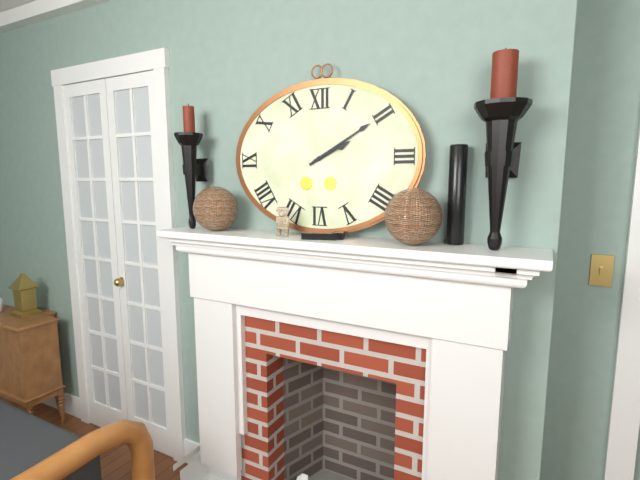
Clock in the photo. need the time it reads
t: 2:10
